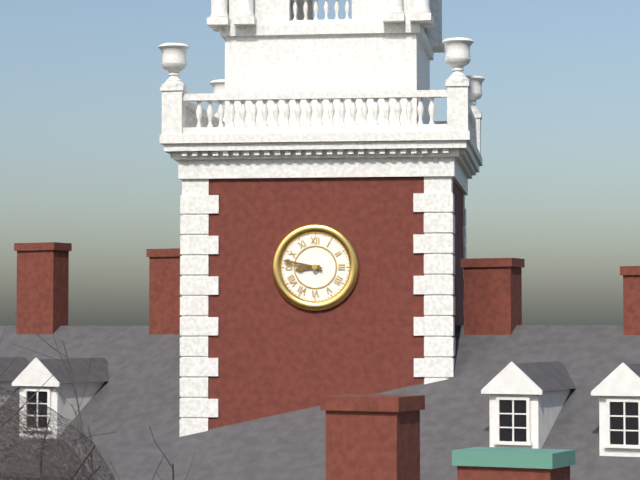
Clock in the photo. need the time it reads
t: 8:47
